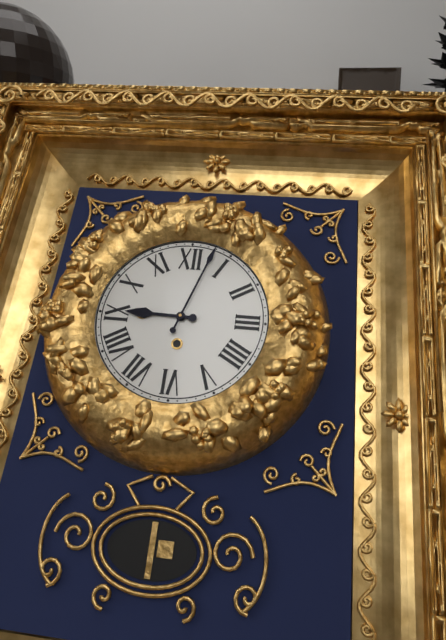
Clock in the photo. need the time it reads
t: 9:03
